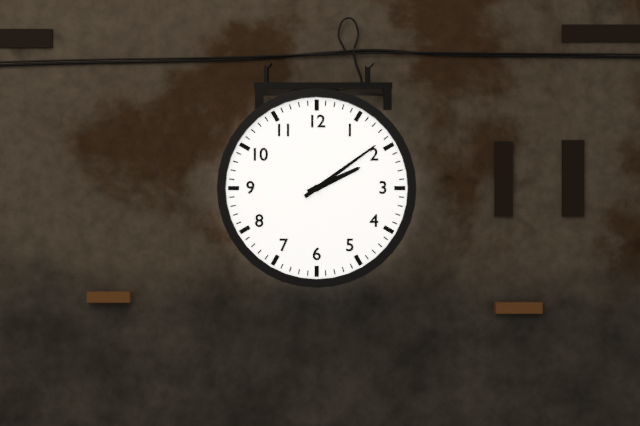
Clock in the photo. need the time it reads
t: 2:09
